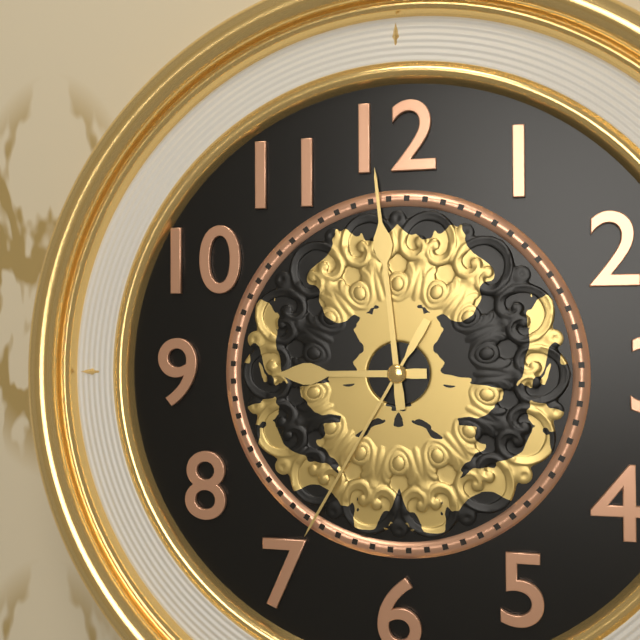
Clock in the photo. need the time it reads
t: 8:59:35
